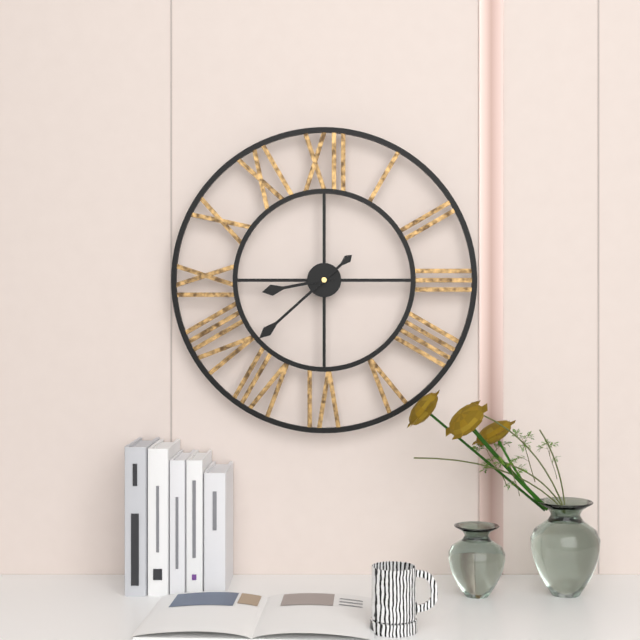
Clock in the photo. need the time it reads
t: 8:38
